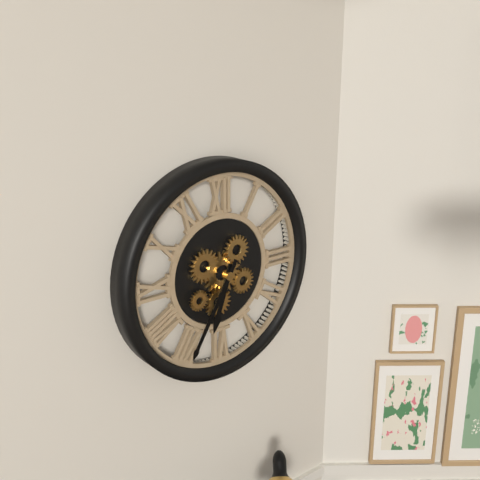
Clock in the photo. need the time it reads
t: 6:35
